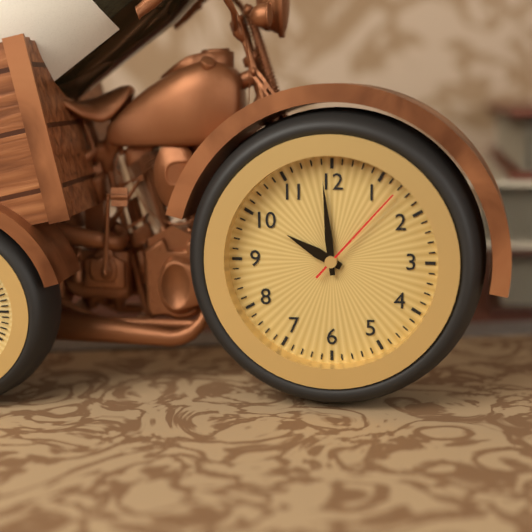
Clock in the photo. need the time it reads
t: 9:59:07
